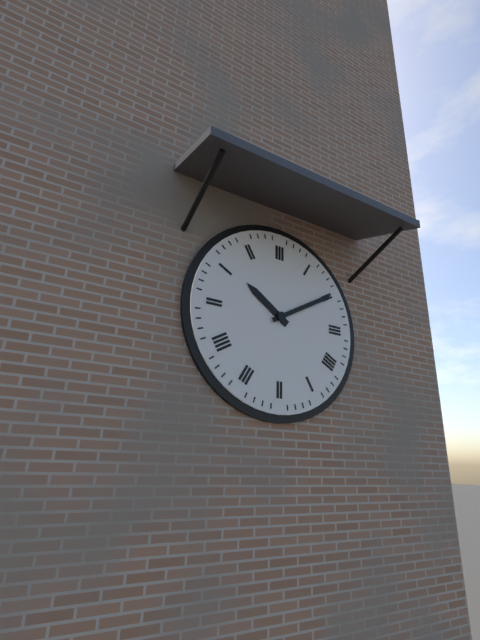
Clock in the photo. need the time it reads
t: 10:10
